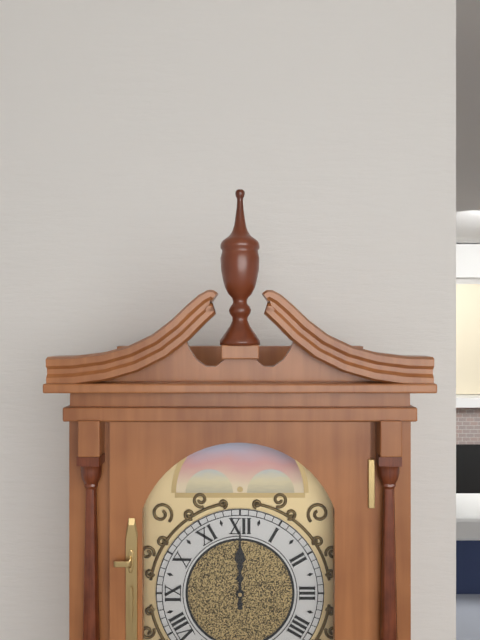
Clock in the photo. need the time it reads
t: 12:00
